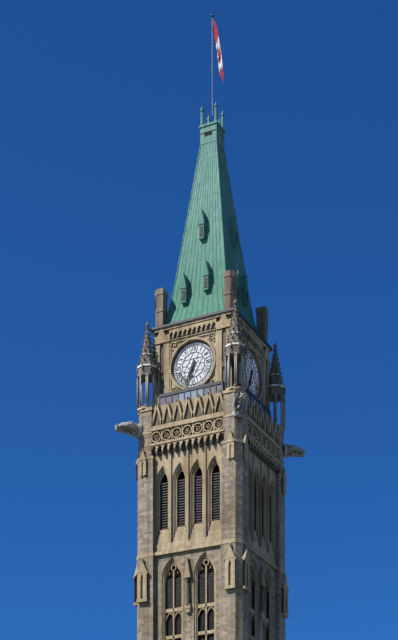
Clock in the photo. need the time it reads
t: 6:34
